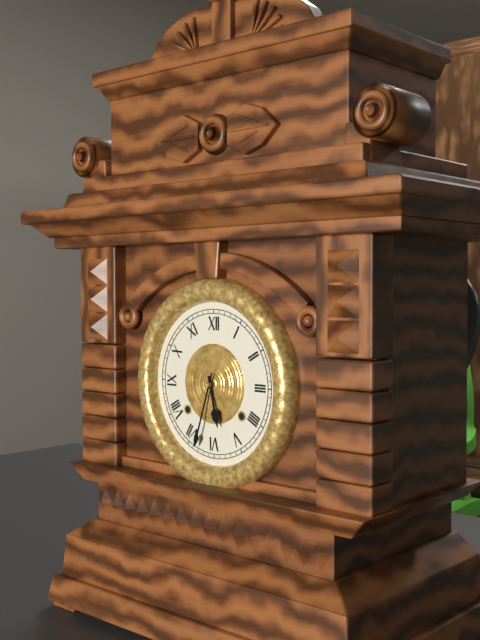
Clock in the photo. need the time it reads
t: 5:33
